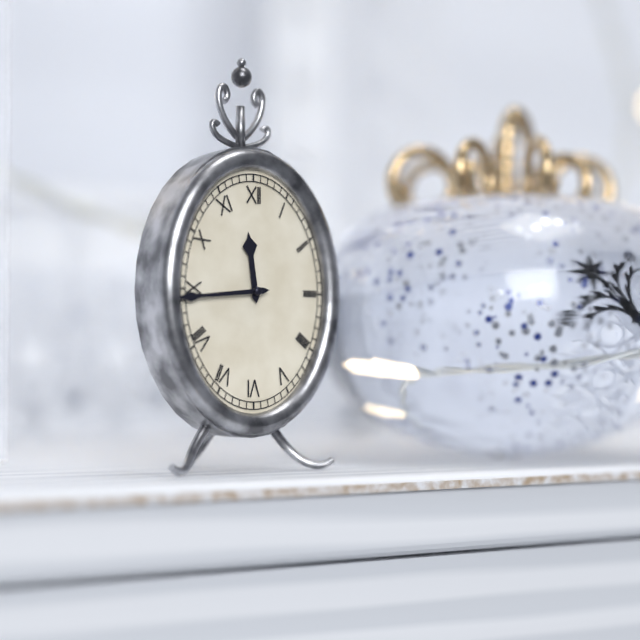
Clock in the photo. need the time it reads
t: 11:44
